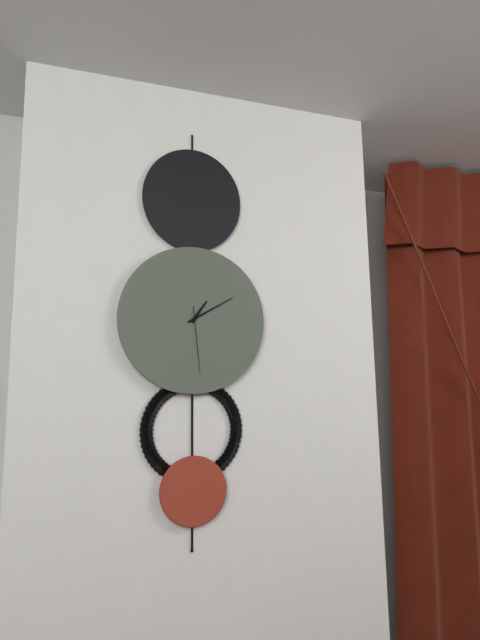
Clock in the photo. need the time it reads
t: 1:10:29
